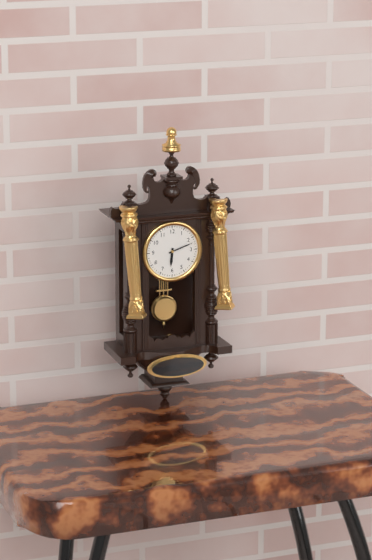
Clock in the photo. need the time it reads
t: 6:12
